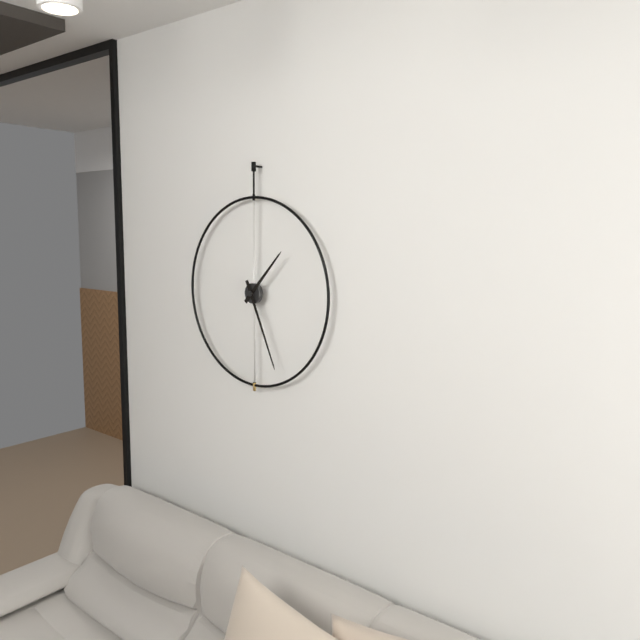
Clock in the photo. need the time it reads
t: 1:26
